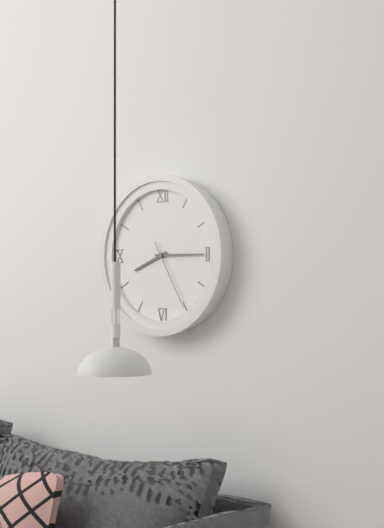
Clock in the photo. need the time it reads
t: 8:15:25
